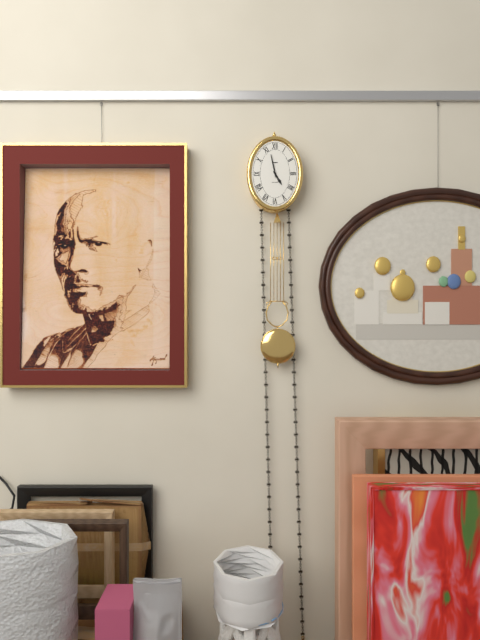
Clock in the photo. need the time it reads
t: 4:58
